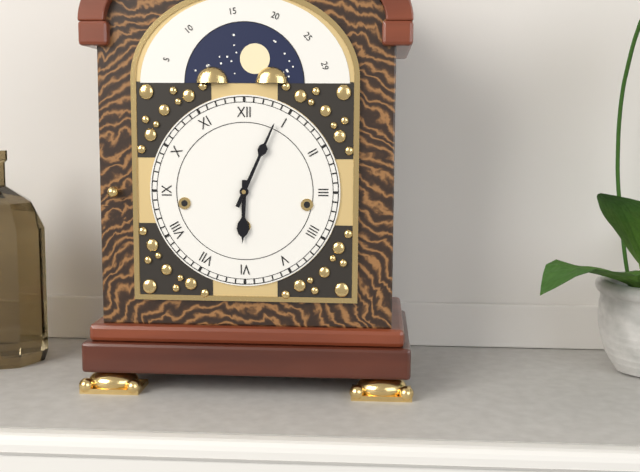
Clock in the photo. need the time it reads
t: 6:04
